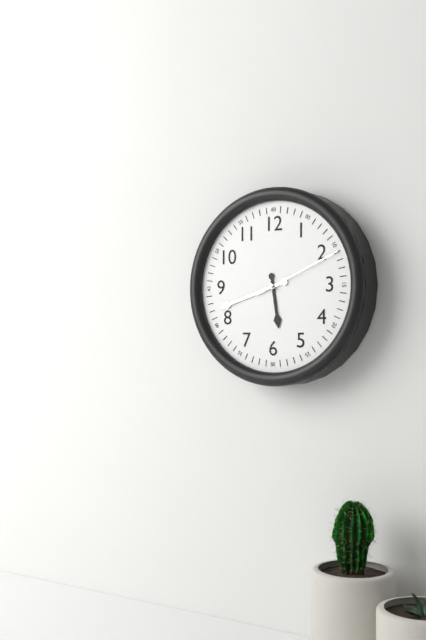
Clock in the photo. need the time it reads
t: 5:42:11
